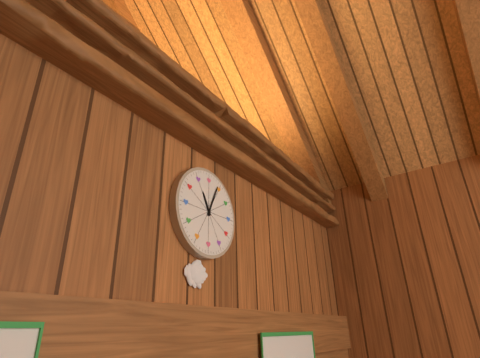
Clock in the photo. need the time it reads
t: 11:04
